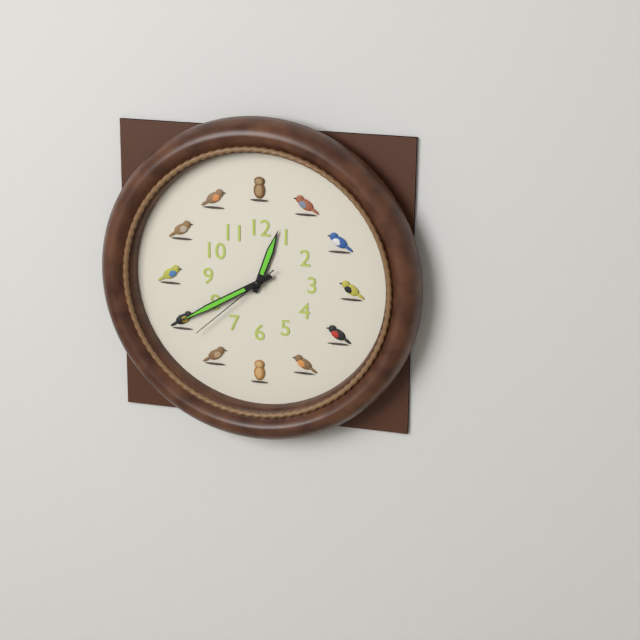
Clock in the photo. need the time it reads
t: 12:40:38
